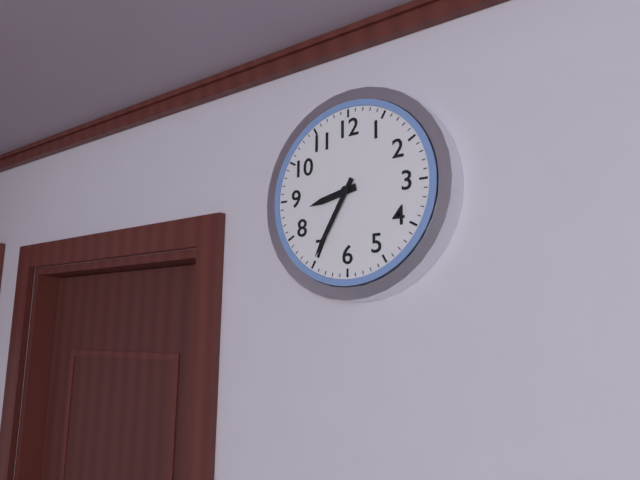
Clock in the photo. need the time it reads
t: 8:35
